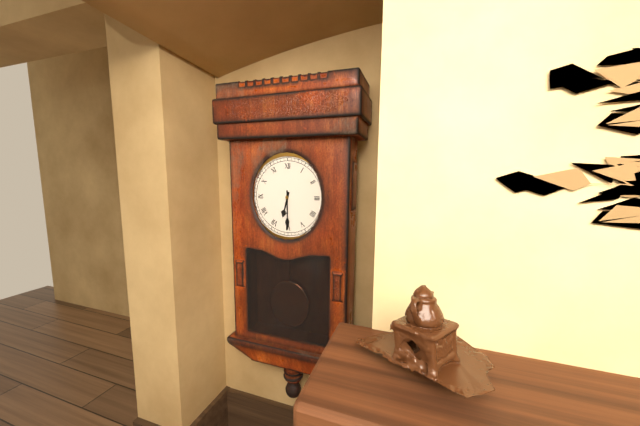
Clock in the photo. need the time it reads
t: 6:30
